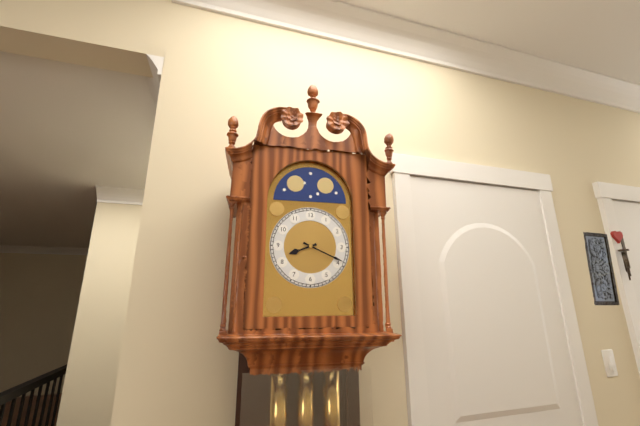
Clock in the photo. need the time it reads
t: 8:19
